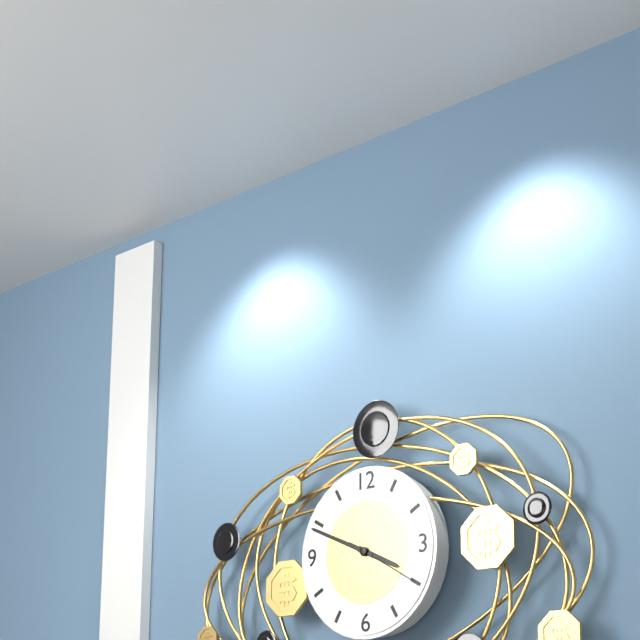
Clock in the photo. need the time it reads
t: 3:49:20
